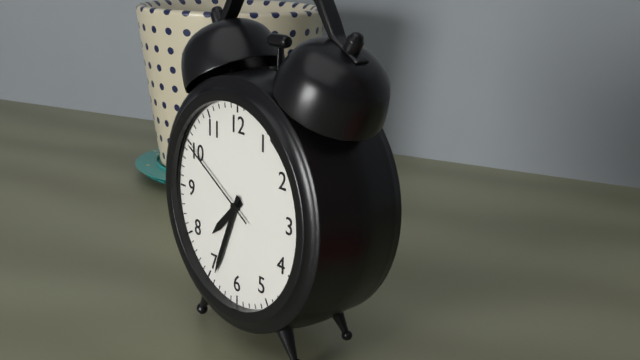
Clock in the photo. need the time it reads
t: 7:34:50
